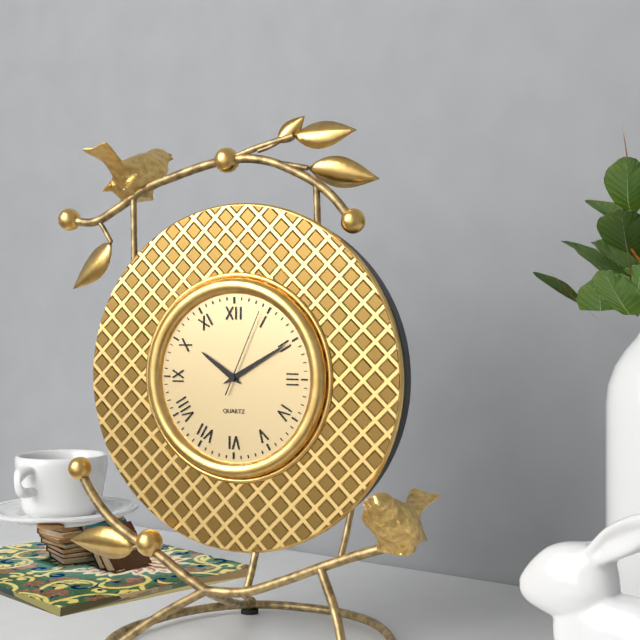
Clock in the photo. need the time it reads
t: 10:10:04
